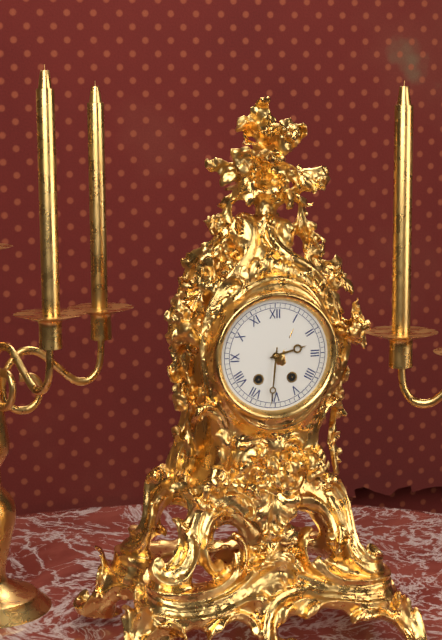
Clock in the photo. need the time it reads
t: 2:31
